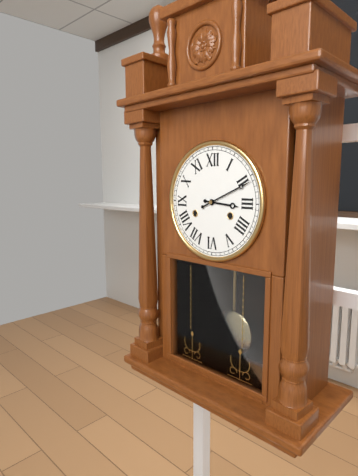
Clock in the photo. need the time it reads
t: 3:11
